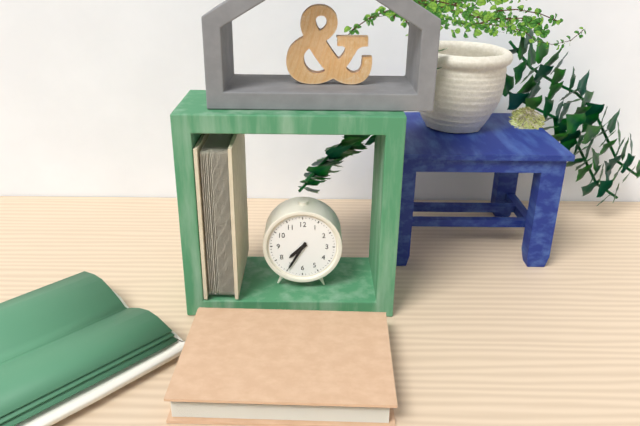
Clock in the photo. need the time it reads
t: 7:35
